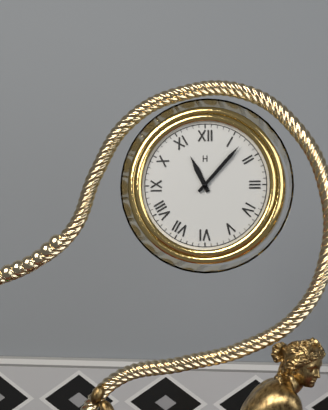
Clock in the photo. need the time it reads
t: 11:07
